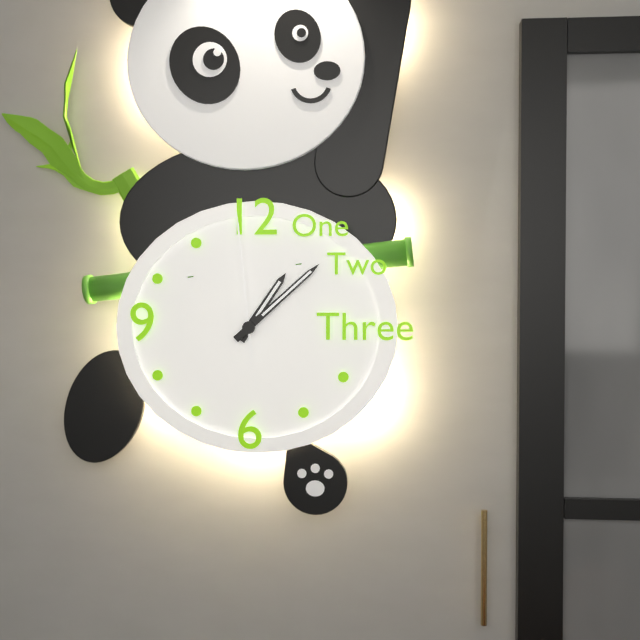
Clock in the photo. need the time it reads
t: 1:08:59
